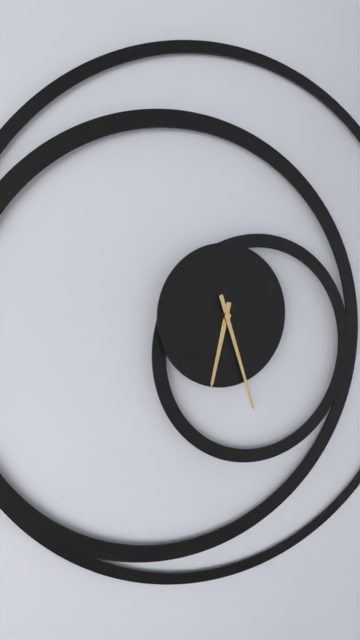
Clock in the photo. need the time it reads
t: 6:27
